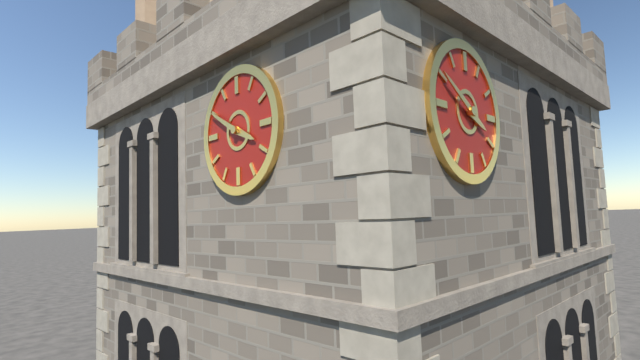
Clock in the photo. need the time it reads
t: 3:50
